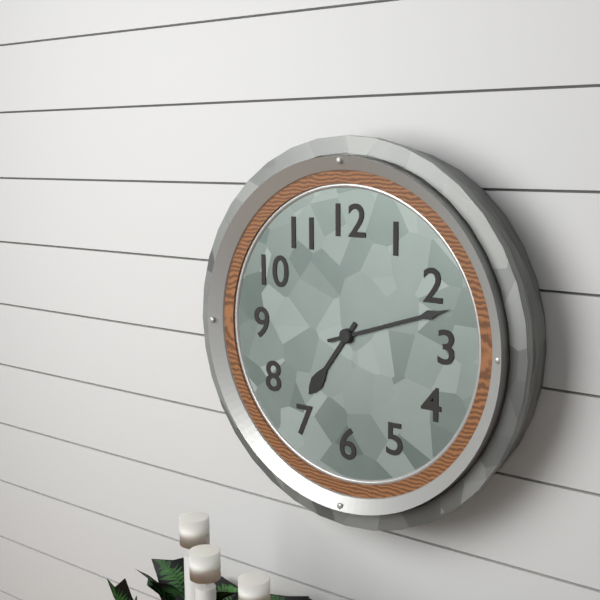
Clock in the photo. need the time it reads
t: 7:12
